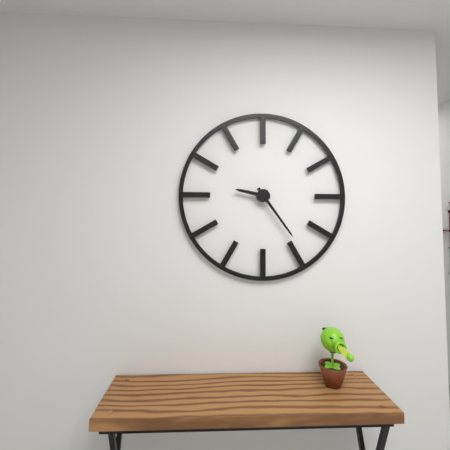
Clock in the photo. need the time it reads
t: 9:24
